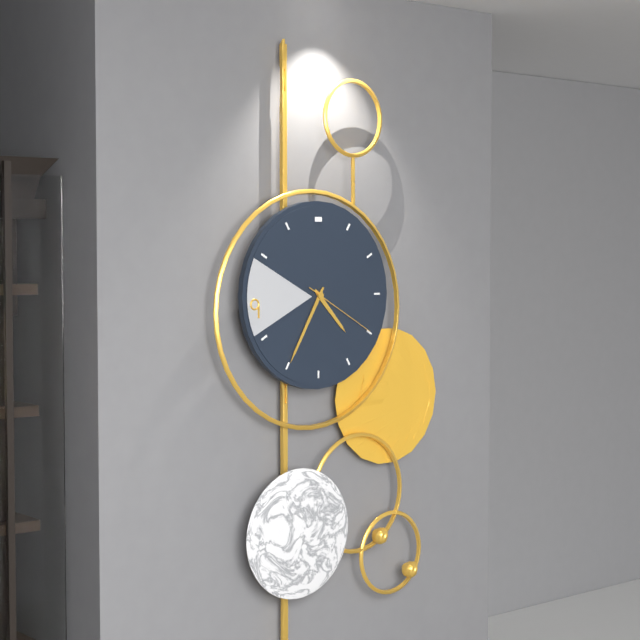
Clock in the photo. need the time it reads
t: 4:35:20
